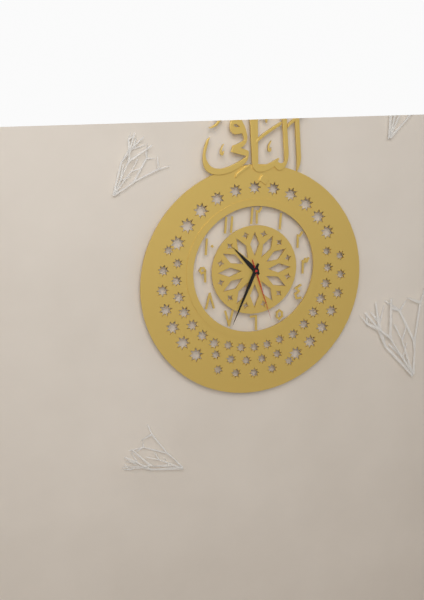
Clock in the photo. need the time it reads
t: 10:34:27
